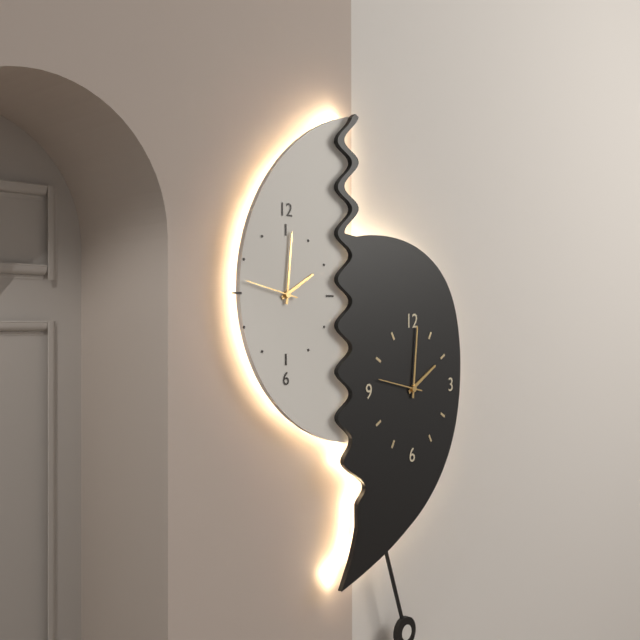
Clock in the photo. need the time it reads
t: 2:01:47
